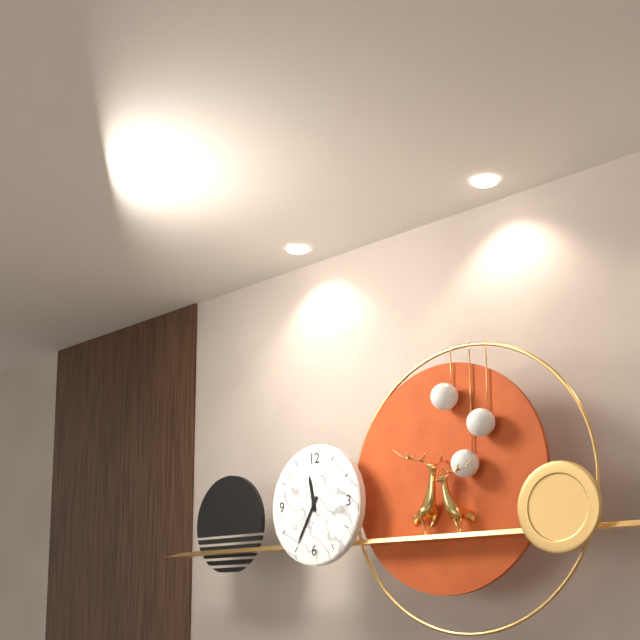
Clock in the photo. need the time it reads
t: 11:35
